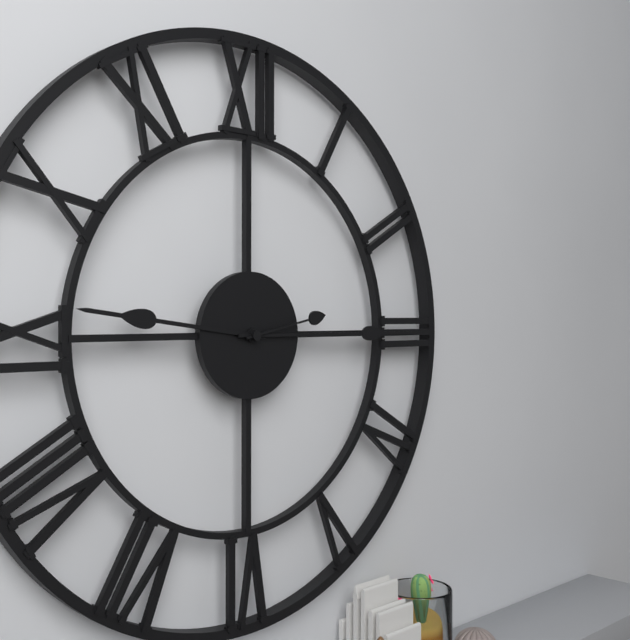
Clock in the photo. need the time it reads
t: 9:15:13
